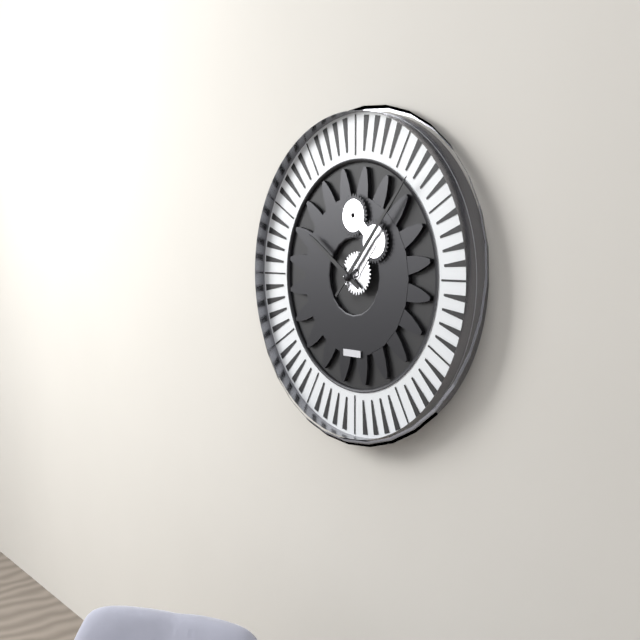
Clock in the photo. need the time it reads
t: 10:07
